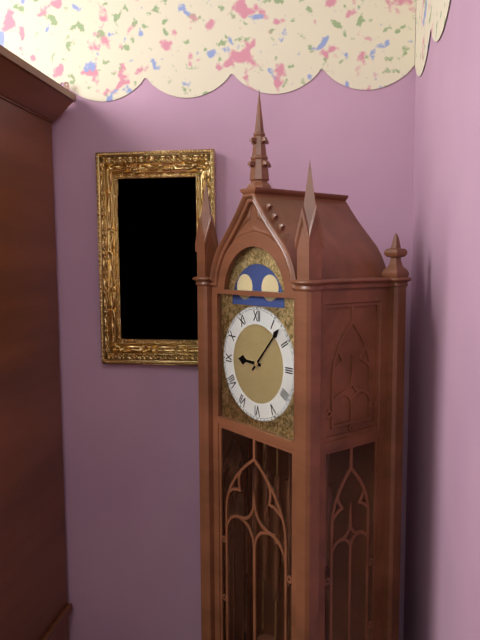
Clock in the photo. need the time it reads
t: 9:07
